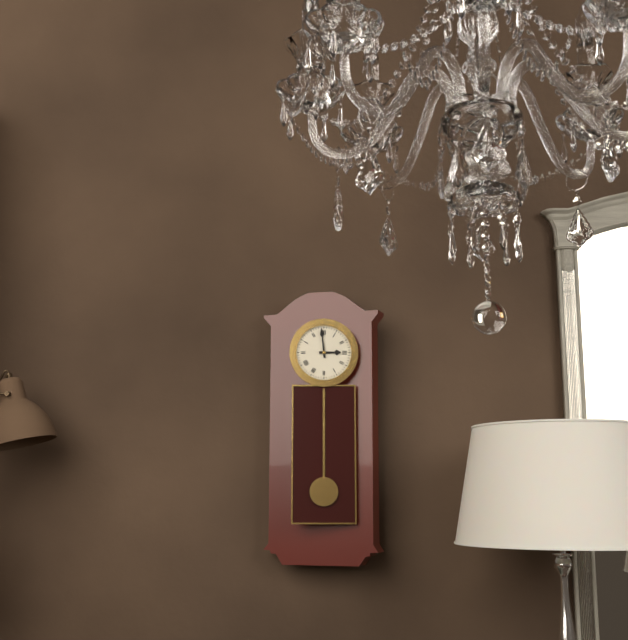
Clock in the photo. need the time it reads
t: 2:59
